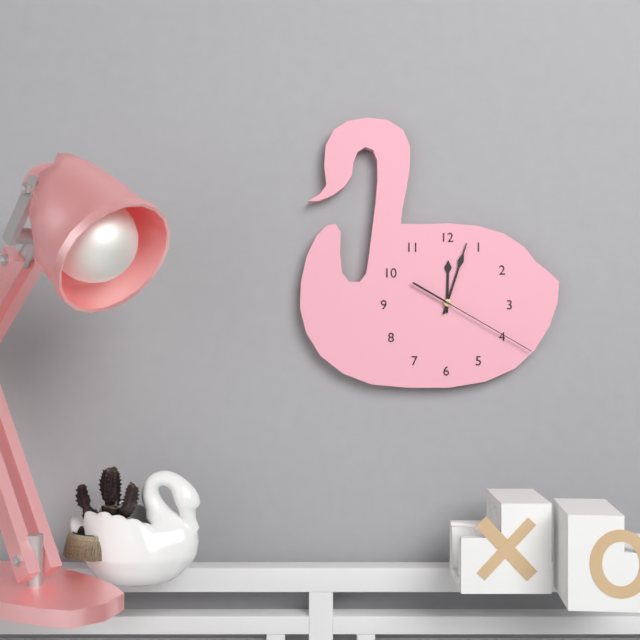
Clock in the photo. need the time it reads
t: 12:03:20
